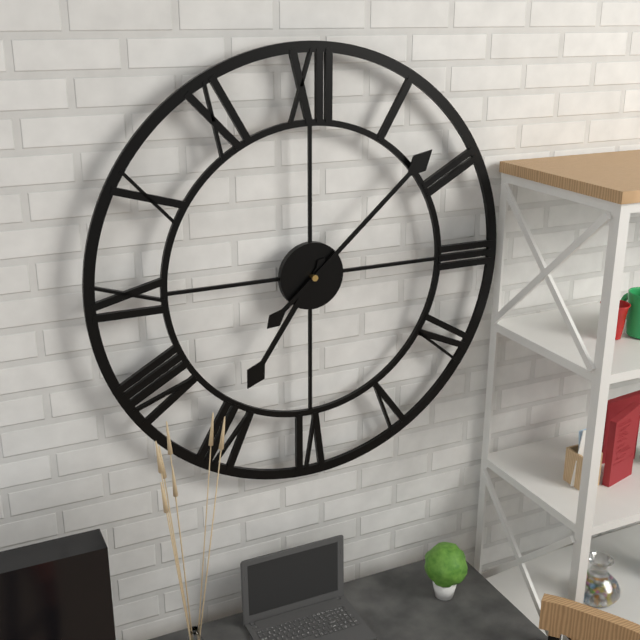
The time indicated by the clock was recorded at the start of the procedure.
7:08
